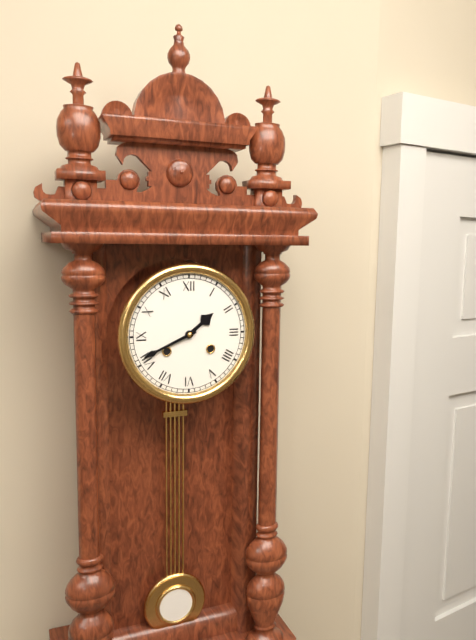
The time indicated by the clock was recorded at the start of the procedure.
1:41
